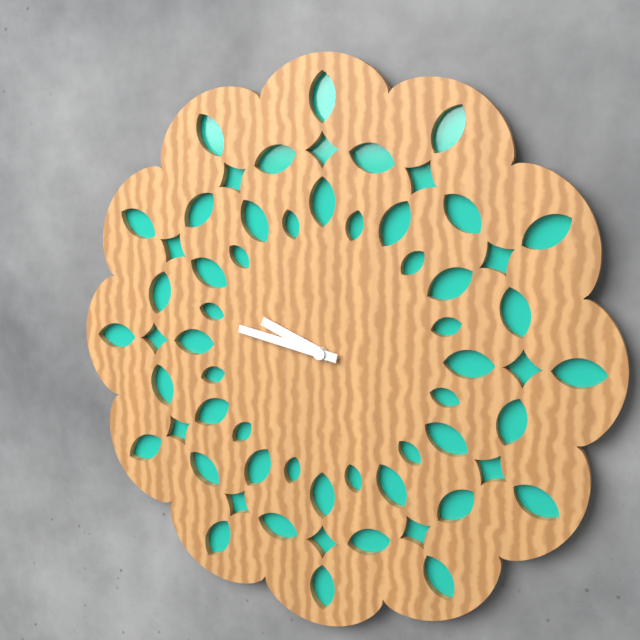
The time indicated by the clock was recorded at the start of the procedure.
9:47
